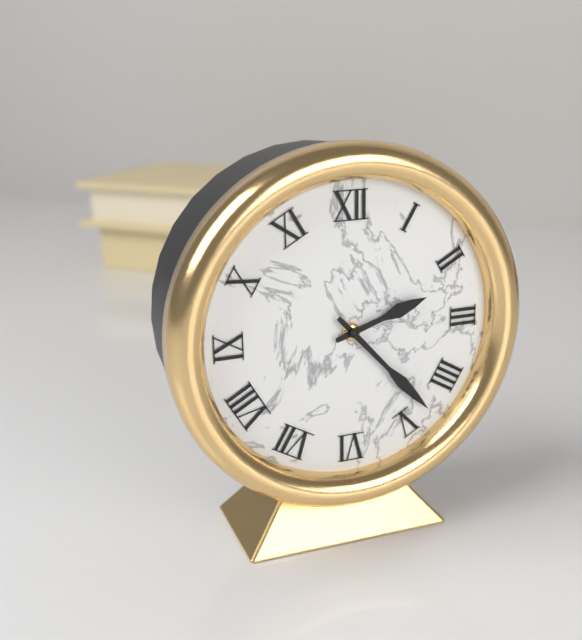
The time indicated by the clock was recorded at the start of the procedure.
2:23
